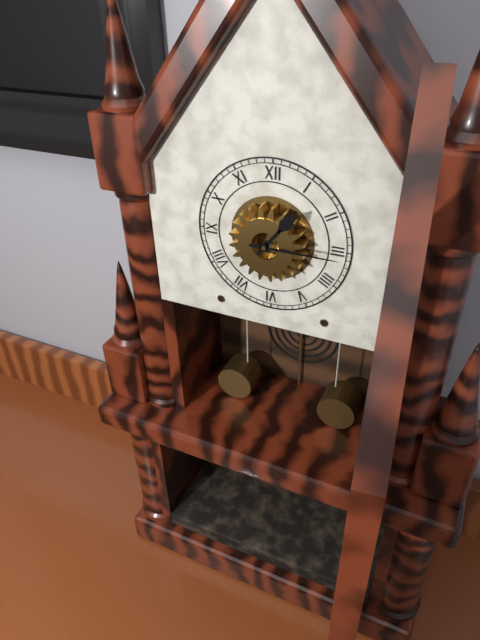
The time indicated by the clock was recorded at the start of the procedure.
1:15
